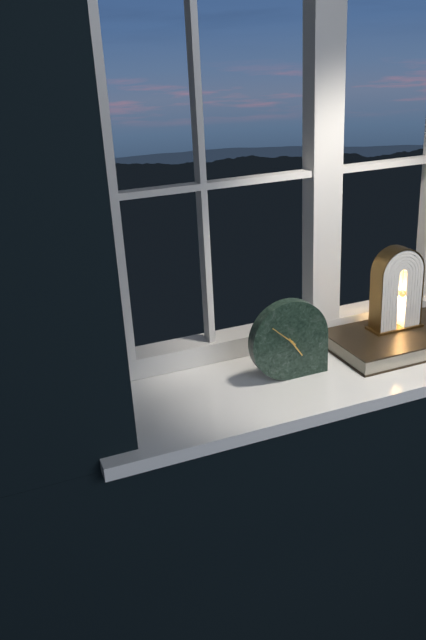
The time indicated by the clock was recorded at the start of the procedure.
4:52
